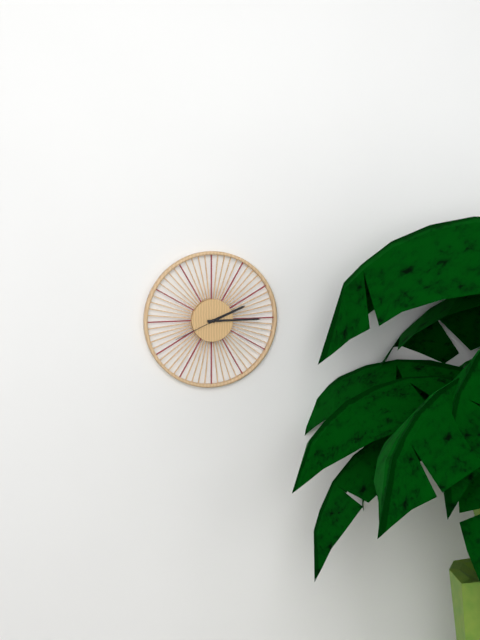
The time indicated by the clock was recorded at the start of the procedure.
2:15:41
